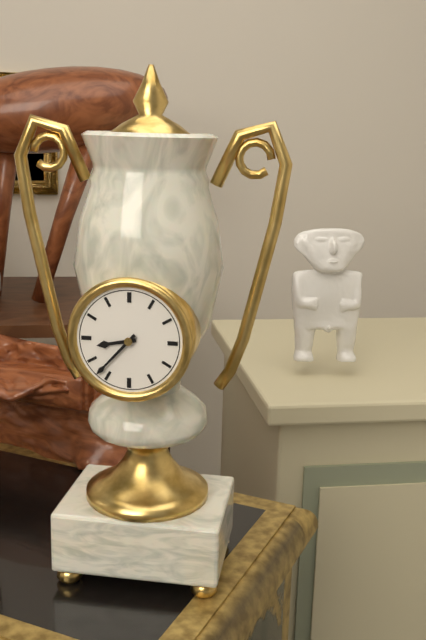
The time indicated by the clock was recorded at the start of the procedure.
8:37
